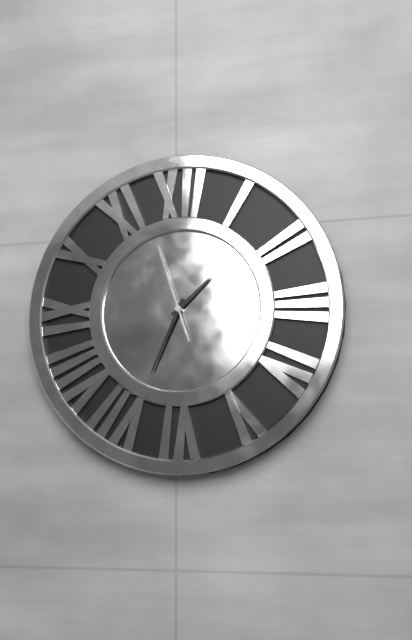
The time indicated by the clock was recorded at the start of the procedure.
1:34:57
